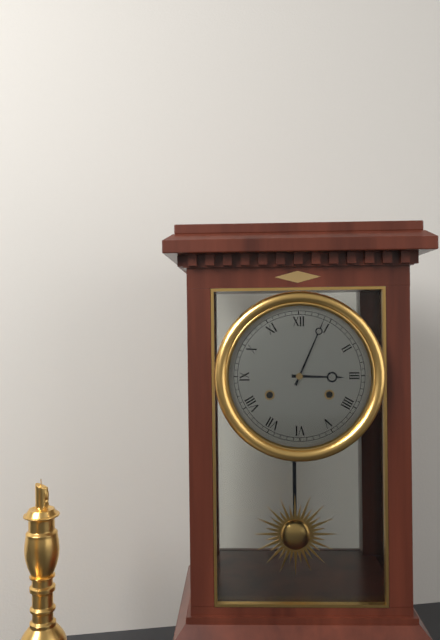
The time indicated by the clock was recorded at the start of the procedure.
3:04
